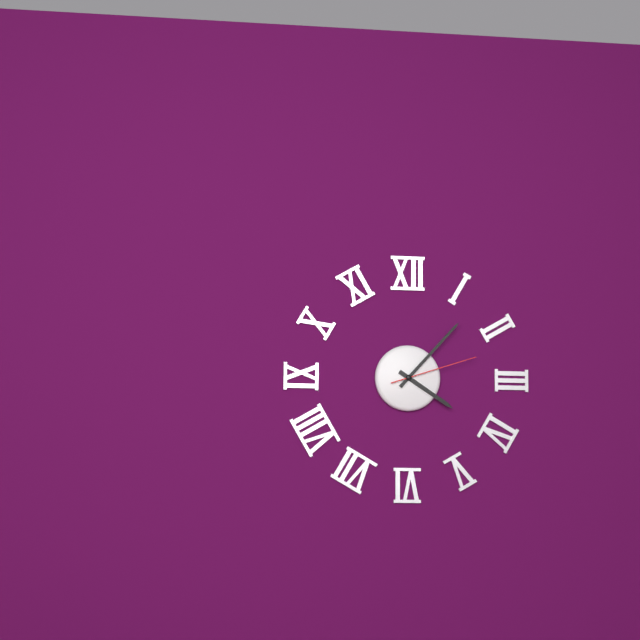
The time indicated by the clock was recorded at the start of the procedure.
4:07:12
